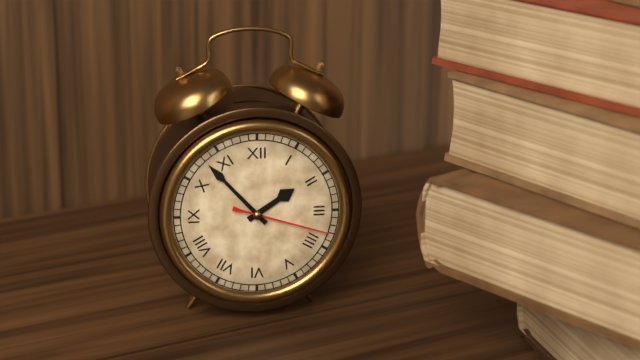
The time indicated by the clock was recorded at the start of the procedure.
1:53:18
